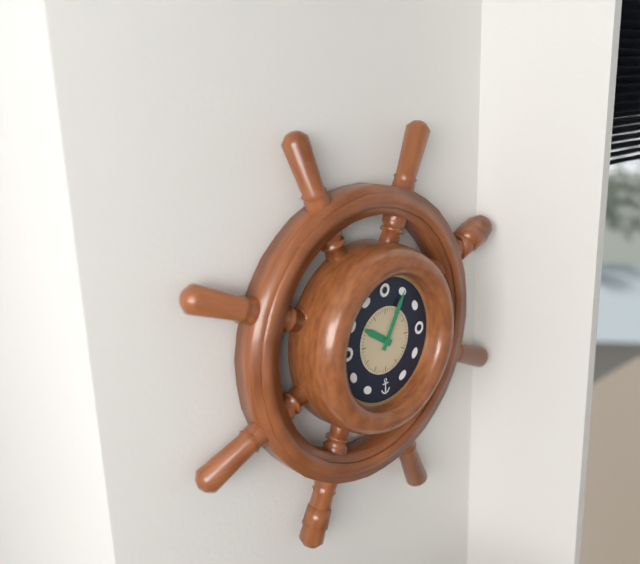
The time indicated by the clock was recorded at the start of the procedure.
10:05
